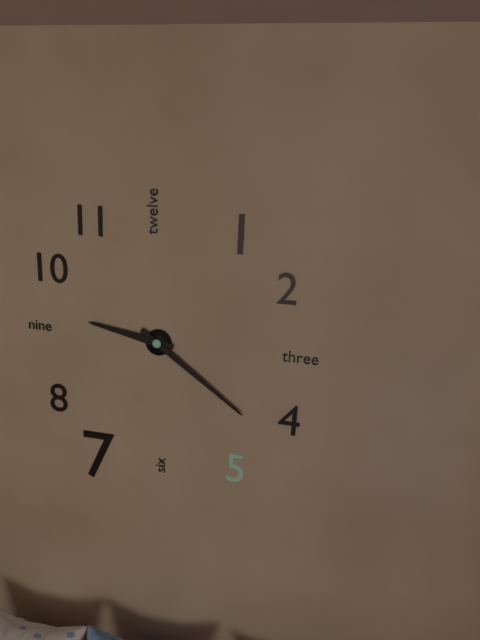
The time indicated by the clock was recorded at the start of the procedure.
9:21
